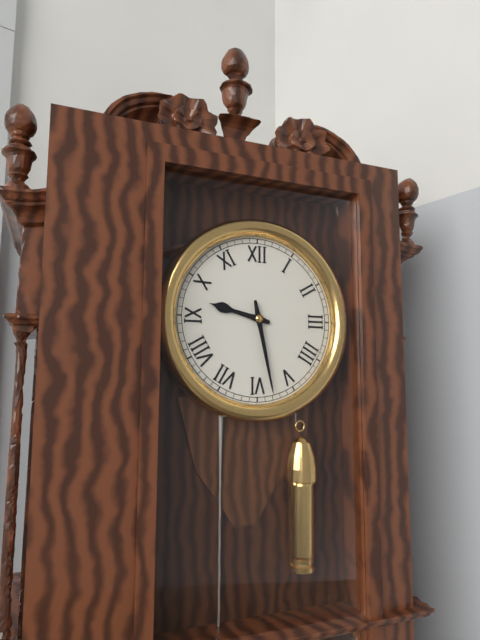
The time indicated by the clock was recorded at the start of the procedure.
9:28
